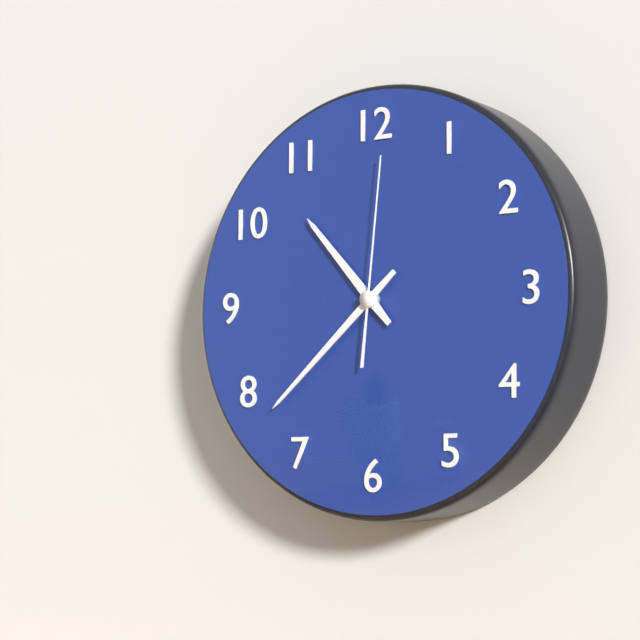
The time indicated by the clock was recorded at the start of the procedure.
10:38:01
